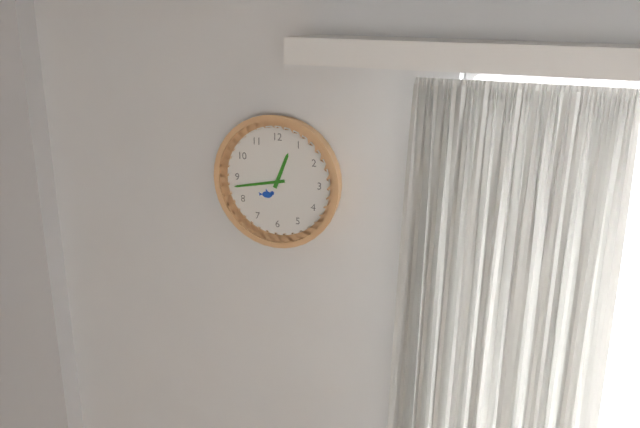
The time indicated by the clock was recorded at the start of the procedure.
12:43
